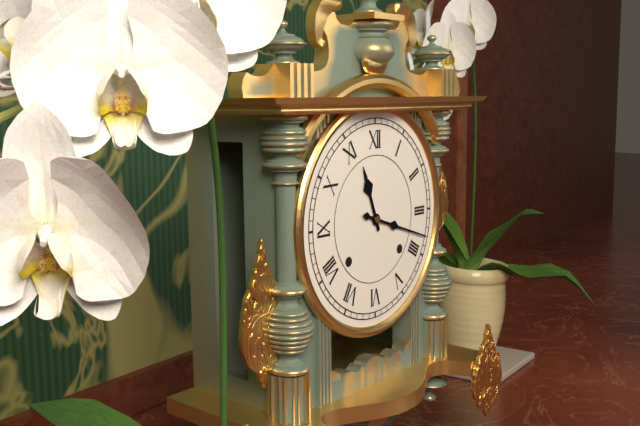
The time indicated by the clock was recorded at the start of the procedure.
11:18
